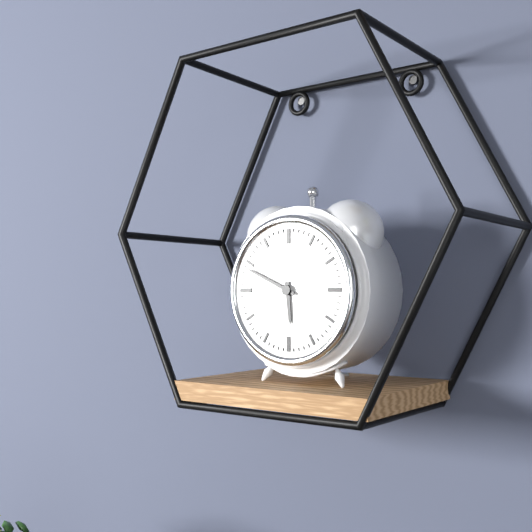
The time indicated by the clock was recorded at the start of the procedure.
5:49
